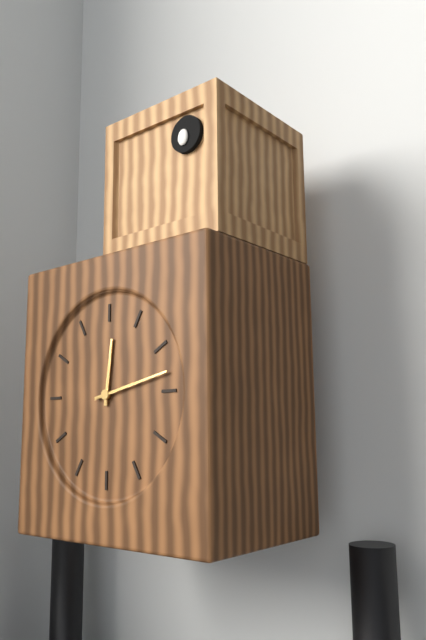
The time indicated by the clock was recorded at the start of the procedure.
12:13
